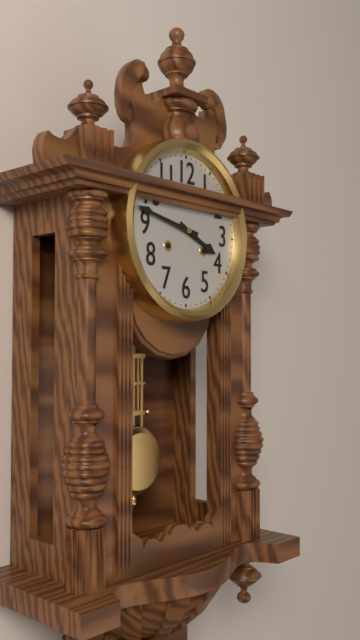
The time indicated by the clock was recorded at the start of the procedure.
3:47
